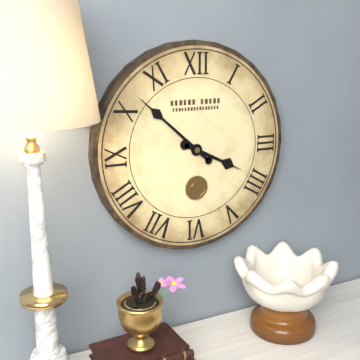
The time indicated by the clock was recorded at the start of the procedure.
3:52
